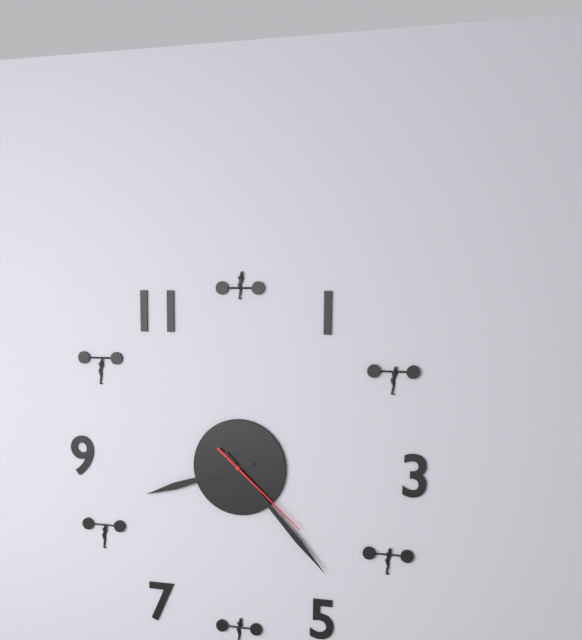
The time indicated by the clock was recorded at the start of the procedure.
8:23:22
